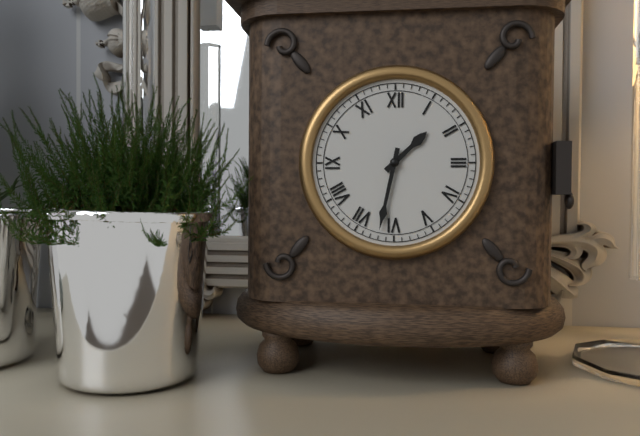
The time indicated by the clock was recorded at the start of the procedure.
1:32
